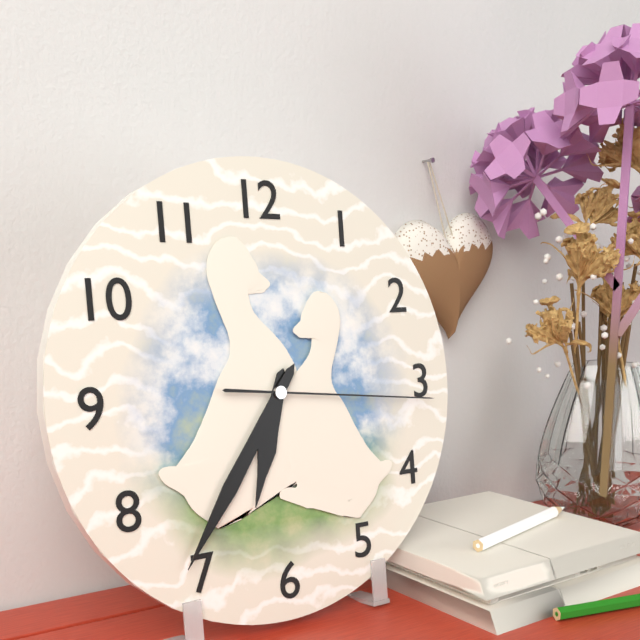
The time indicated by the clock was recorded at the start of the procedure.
6:36:16
